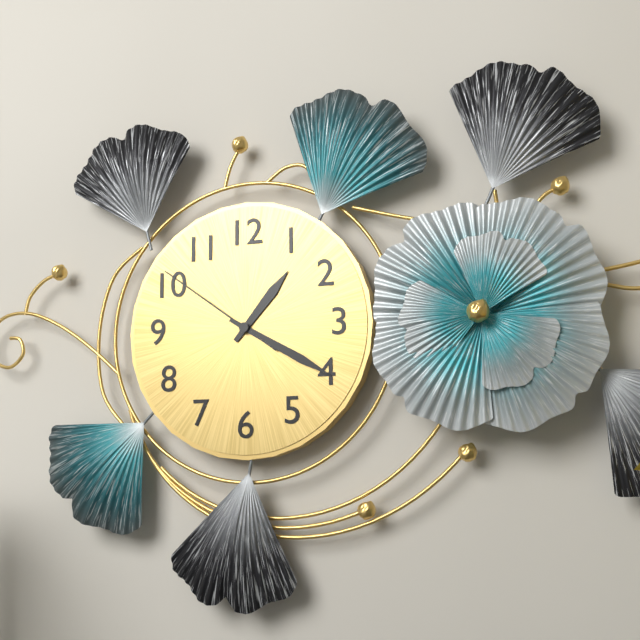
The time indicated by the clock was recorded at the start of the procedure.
1:20:51
